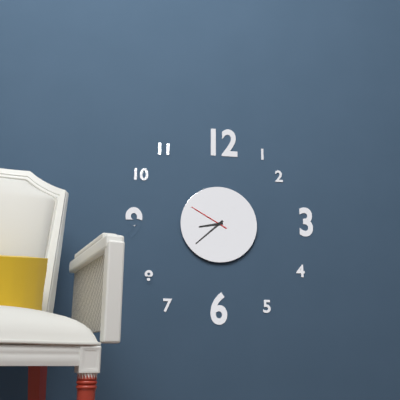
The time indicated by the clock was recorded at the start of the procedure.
8:38
